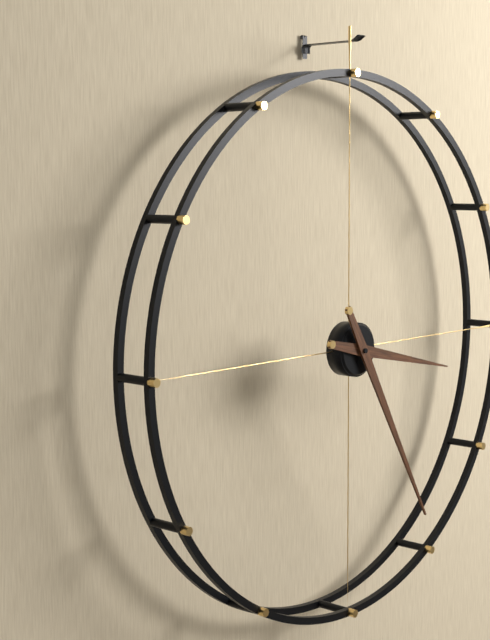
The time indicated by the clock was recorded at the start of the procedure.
3:25
